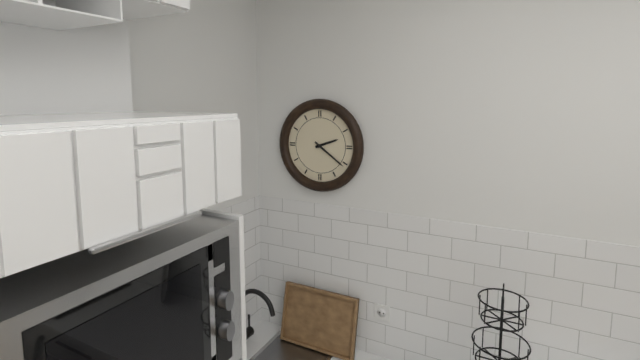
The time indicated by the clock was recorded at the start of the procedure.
2:21
